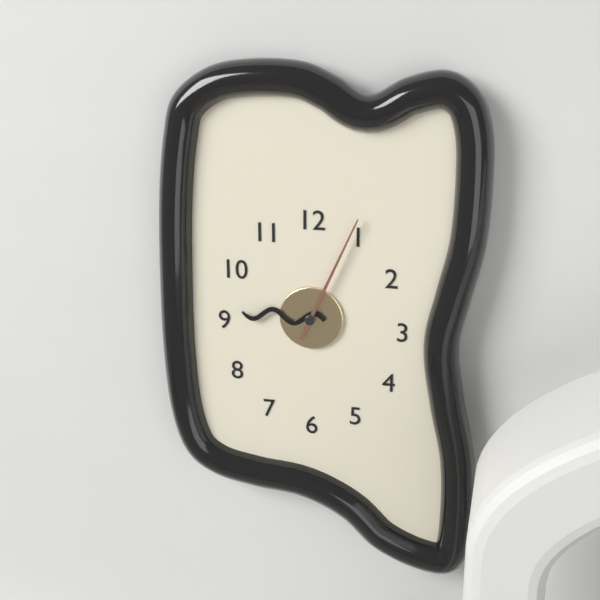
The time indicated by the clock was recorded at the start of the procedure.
9:04
